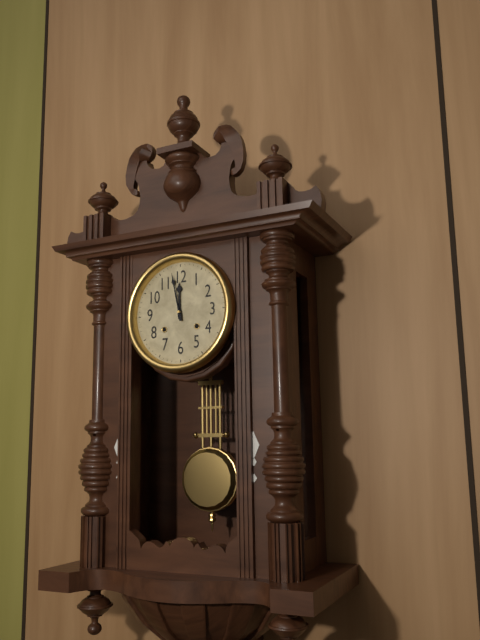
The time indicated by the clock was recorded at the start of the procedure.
11:58
